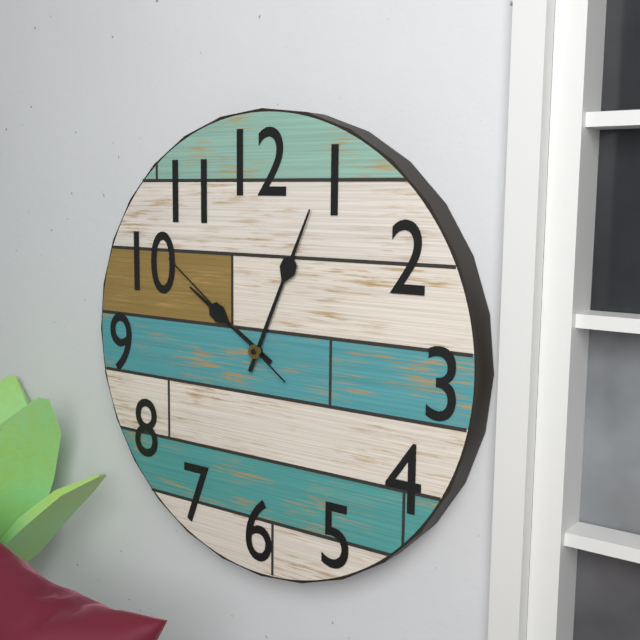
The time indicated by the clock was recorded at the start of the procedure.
10:04:51
